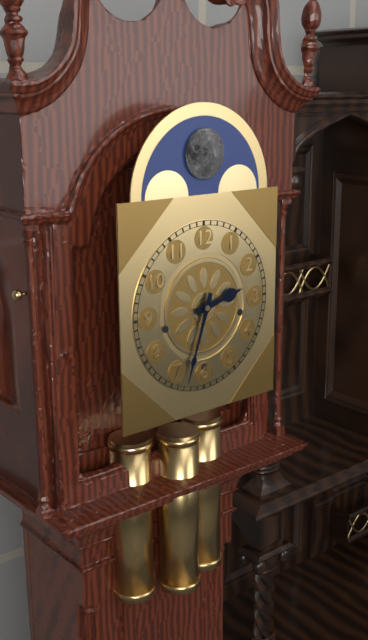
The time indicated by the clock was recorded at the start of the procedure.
2:33
